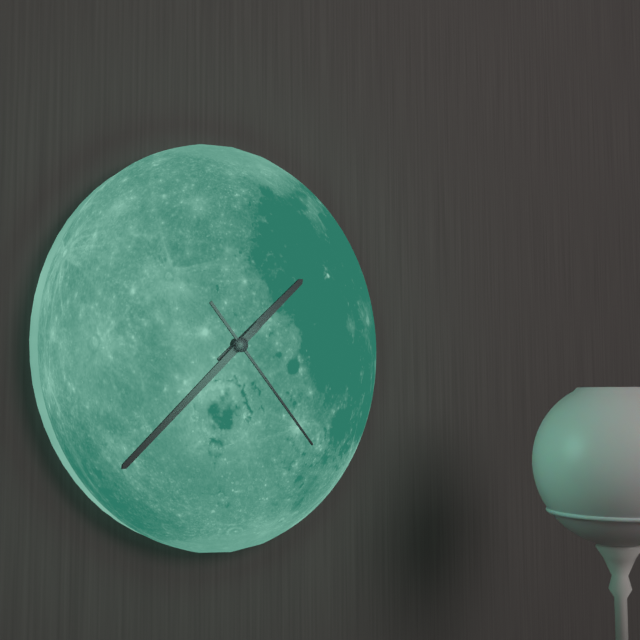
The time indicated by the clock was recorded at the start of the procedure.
1:38:23
